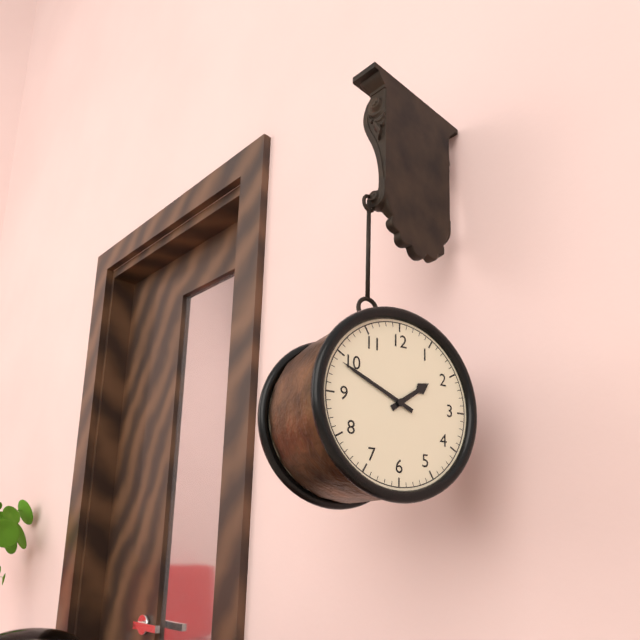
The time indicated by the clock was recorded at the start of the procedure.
1:49
